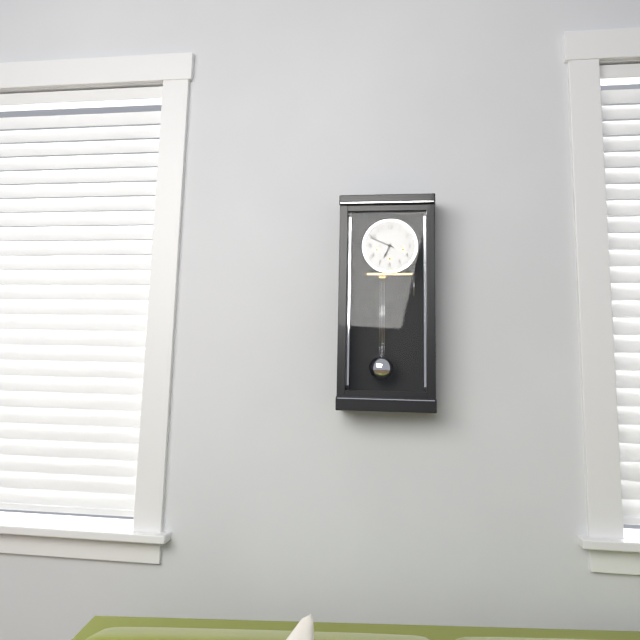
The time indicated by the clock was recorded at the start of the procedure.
6:49
